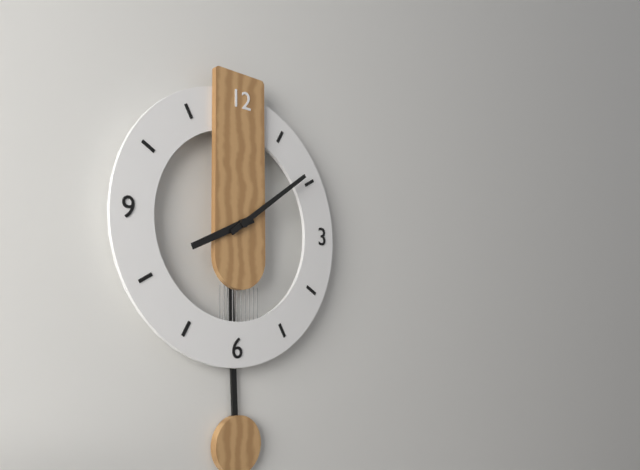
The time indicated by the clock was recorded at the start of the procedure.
8:09
